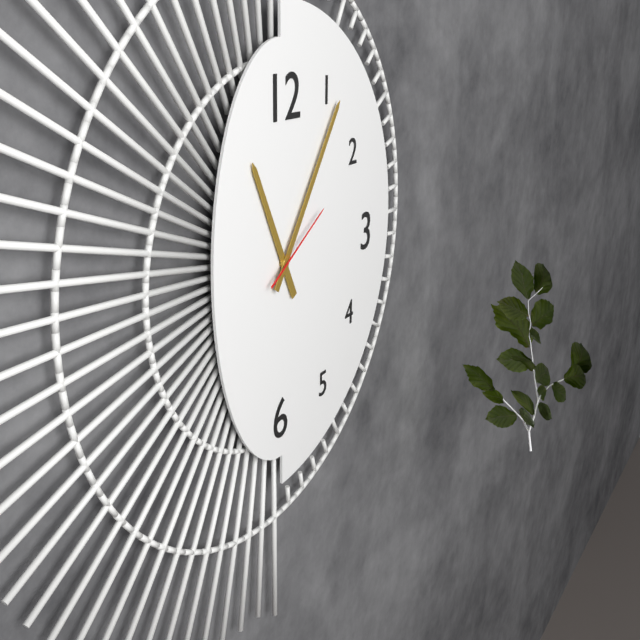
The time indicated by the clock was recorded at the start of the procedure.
11:06:10
